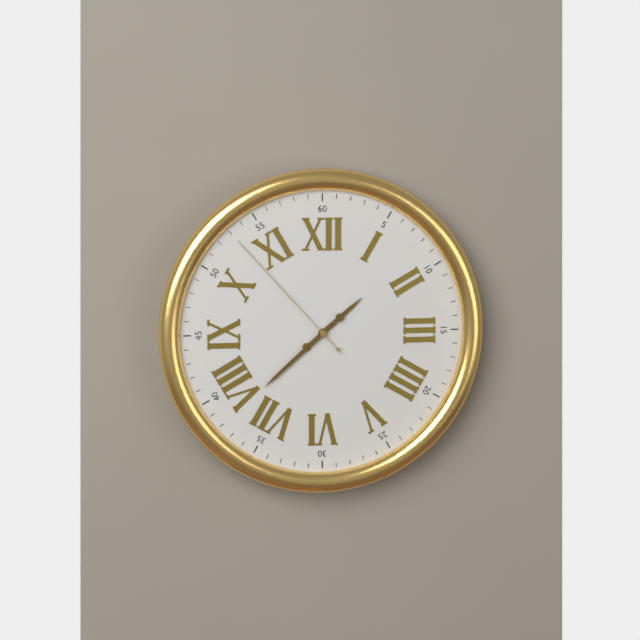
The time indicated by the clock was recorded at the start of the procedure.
1:38:53
